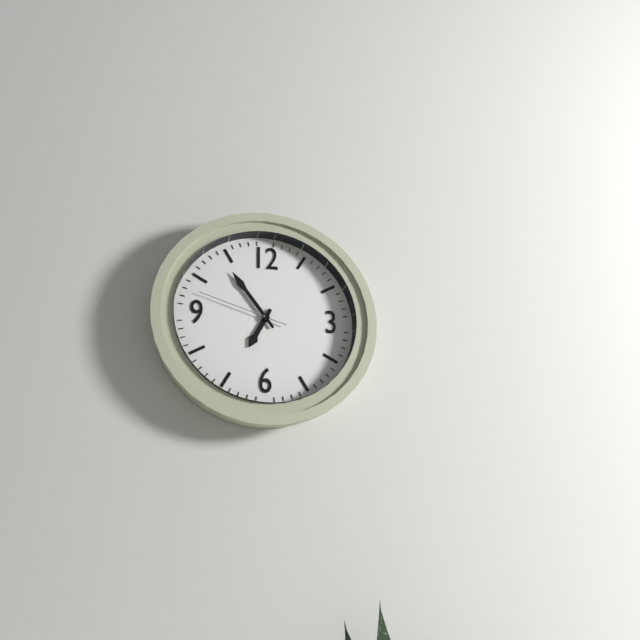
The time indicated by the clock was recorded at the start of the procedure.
6:54:48
